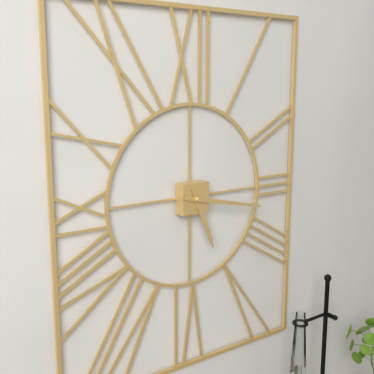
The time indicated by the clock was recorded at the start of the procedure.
5:17
